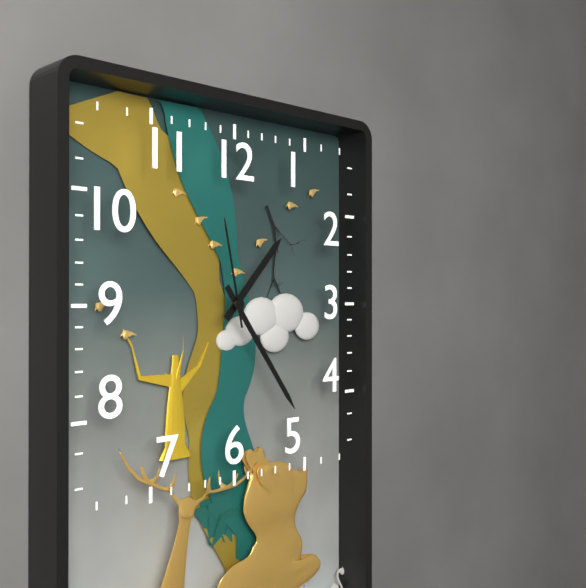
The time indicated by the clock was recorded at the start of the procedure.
1:24:58
